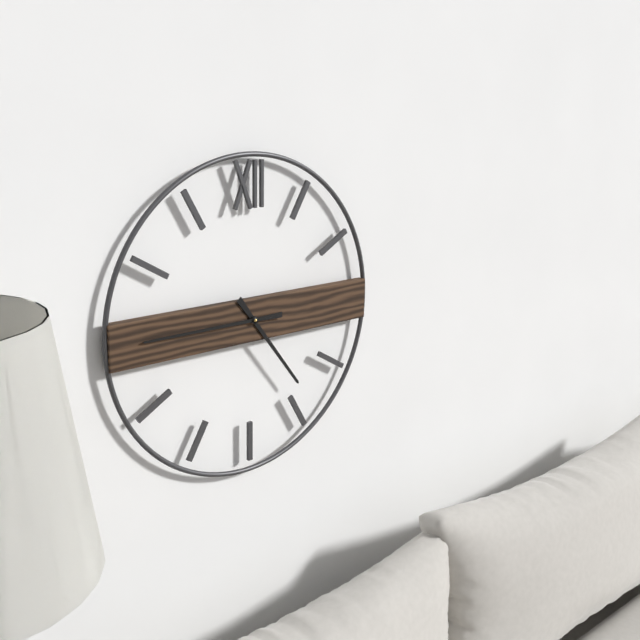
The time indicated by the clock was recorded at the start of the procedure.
4:45
